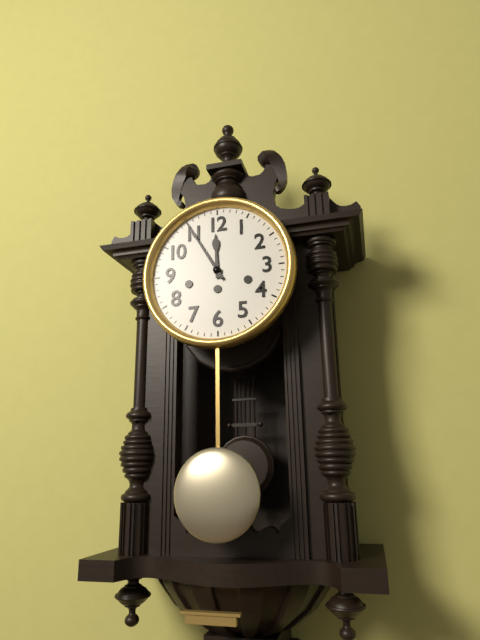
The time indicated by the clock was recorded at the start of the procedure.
11:55
